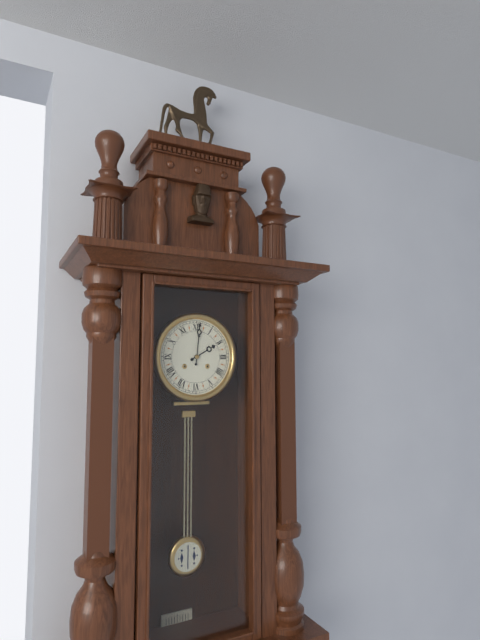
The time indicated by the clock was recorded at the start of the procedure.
2:01
